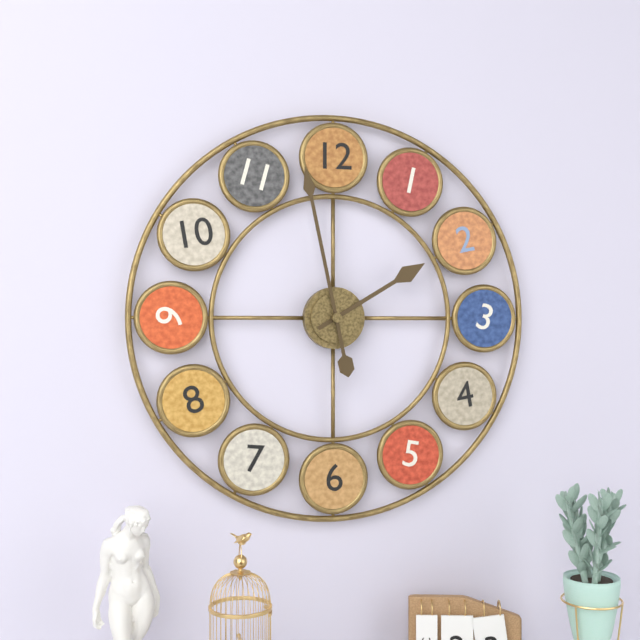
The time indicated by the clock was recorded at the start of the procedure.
1:58
